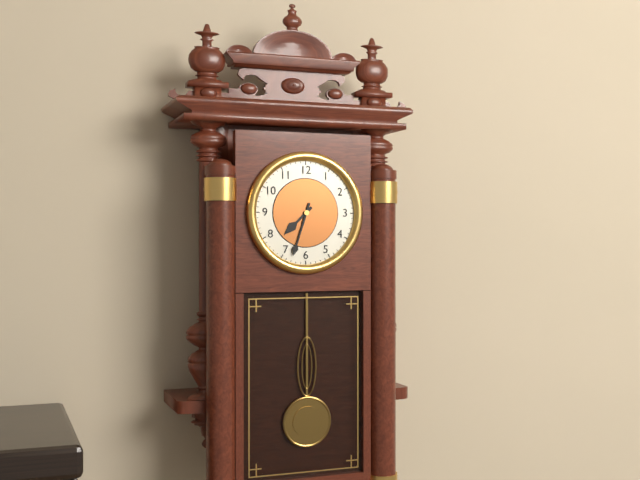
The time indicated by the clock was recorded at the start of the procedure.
7:33
